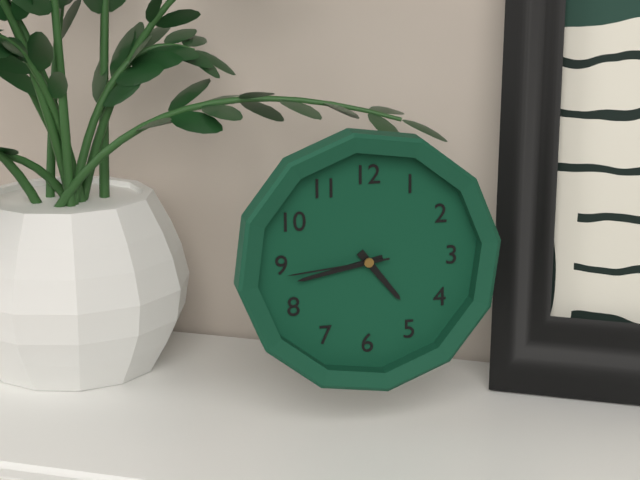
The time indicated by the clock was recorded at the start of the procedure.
4:43:44
